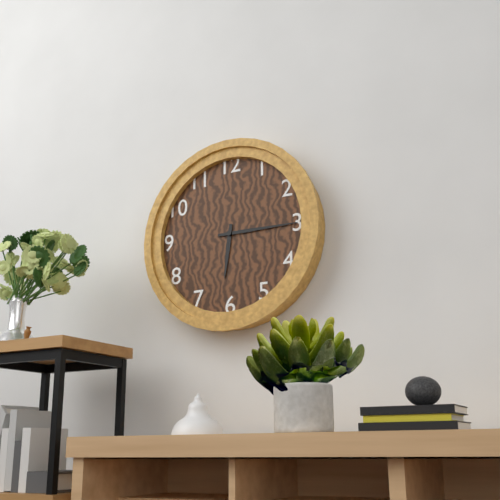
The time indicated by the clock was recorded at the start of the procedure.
6:15
